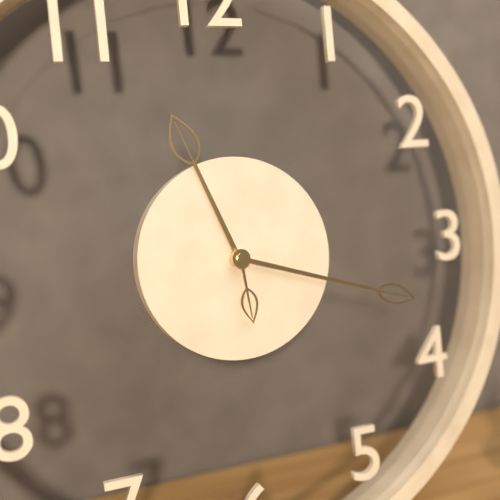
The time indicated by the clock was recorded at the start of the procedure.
11:18:29
